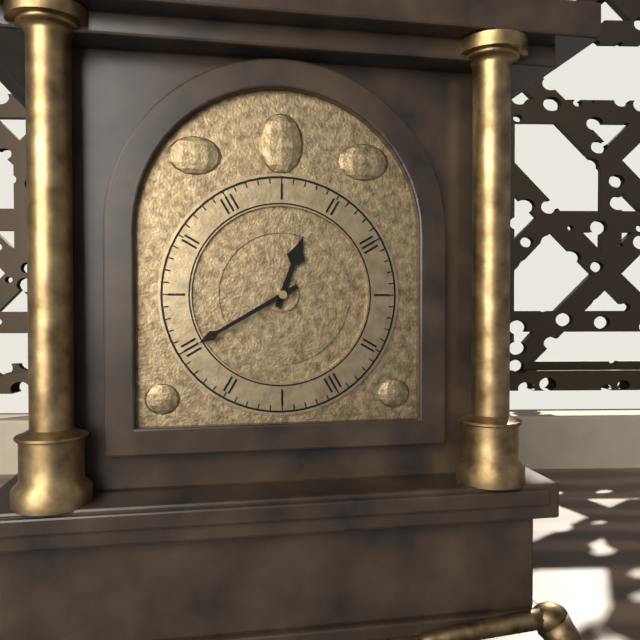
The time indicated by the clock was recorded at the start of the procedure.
12:40
